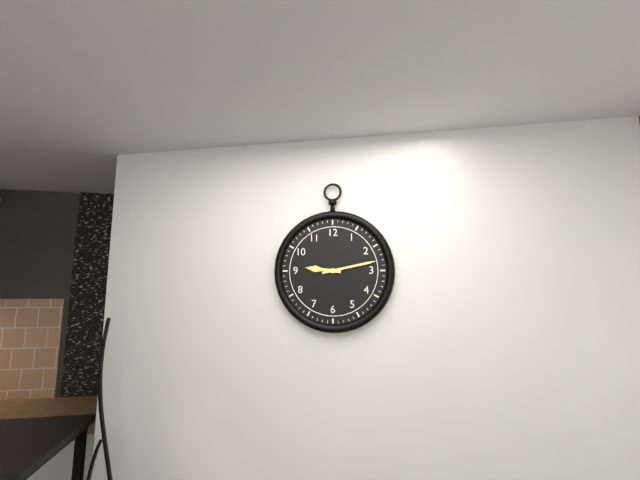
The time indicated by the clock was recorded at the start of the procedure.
9:13
